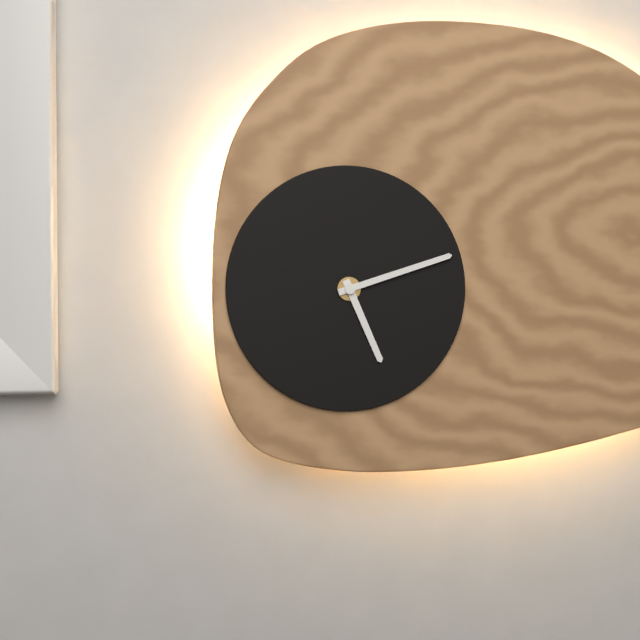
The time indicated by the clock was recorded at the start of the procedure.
5:12
